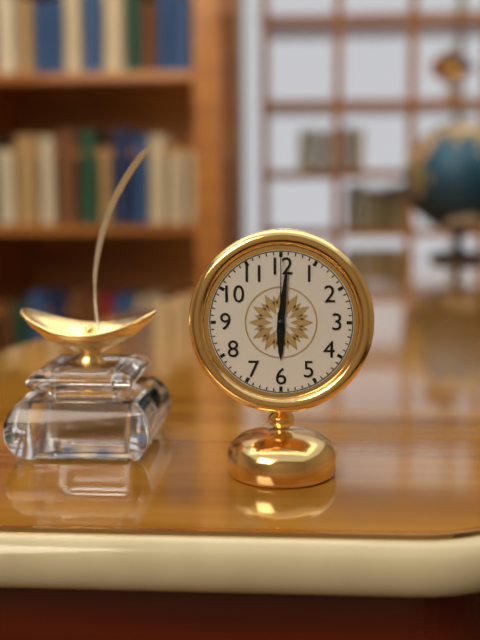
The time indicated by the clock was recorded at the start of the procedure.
6:01:00
